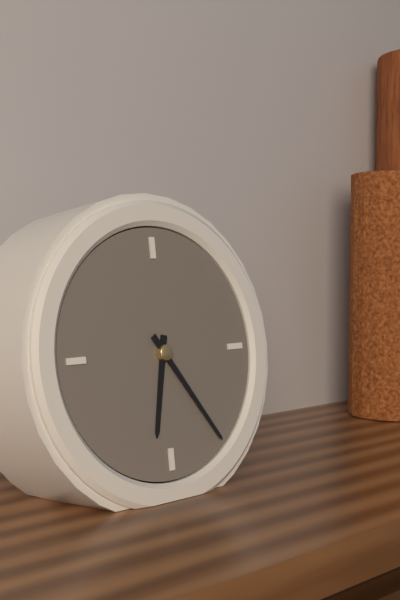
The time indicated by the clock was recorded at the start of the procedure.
6:24
